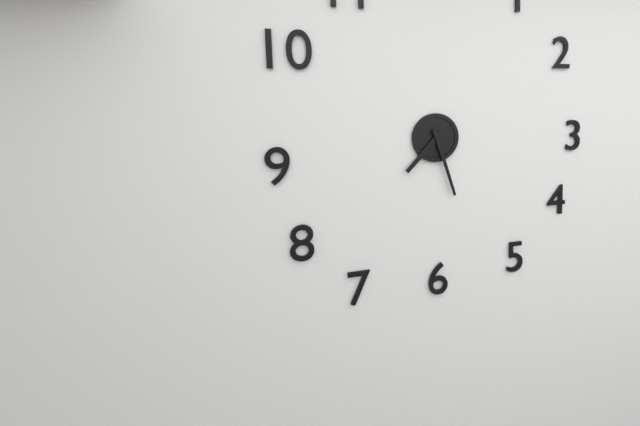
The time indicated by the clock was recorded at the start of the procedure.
7:27
